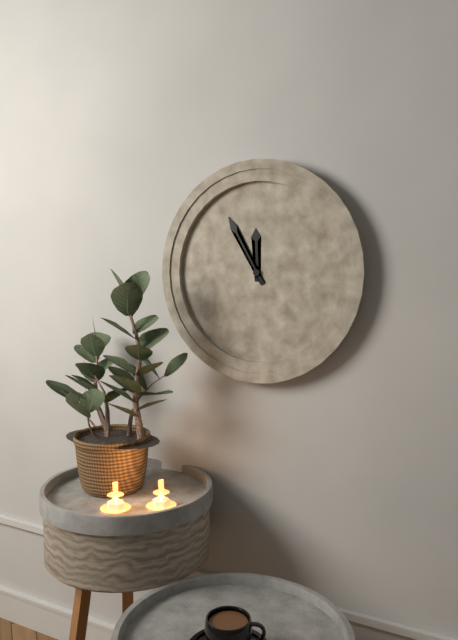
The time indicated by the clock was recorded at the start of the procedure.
11:55
